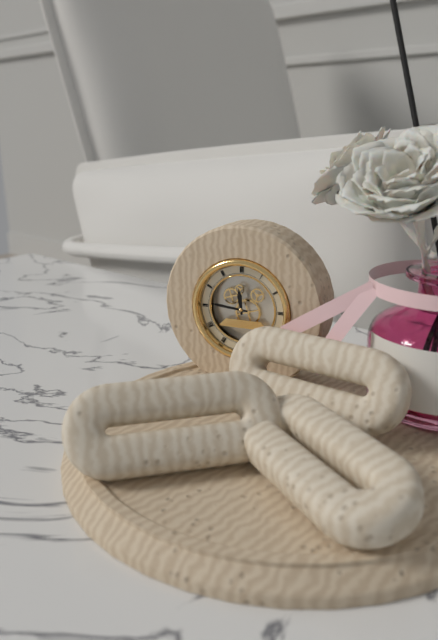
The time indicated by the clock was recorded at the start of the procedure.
11:46
